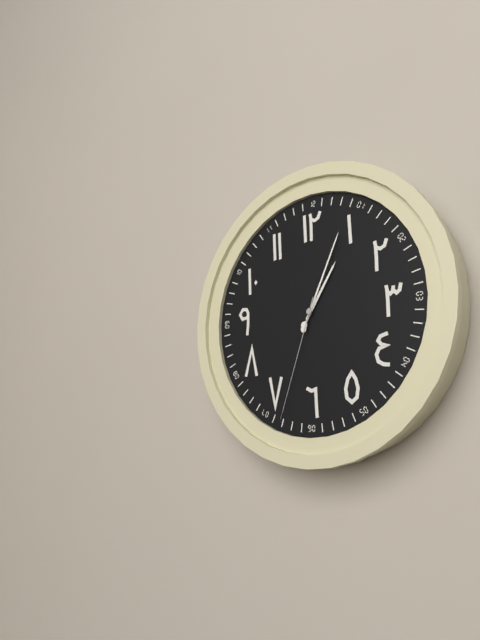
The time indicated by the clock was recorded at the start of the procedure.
1:04:33
